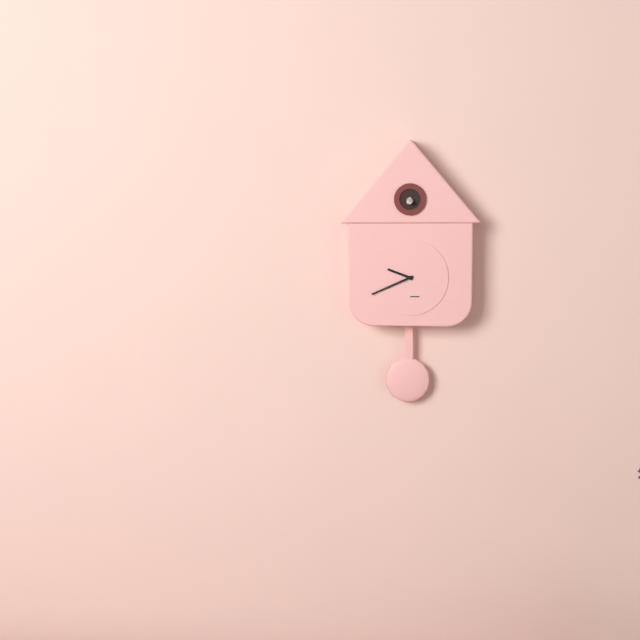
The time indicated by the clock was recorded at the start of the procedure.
9:41
